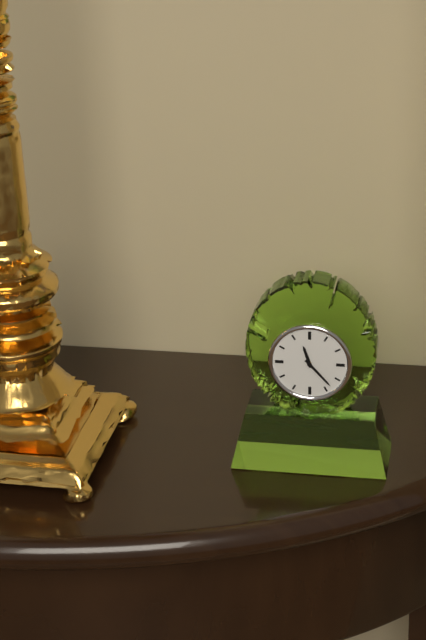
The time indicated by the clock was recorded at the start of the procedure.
11:23
